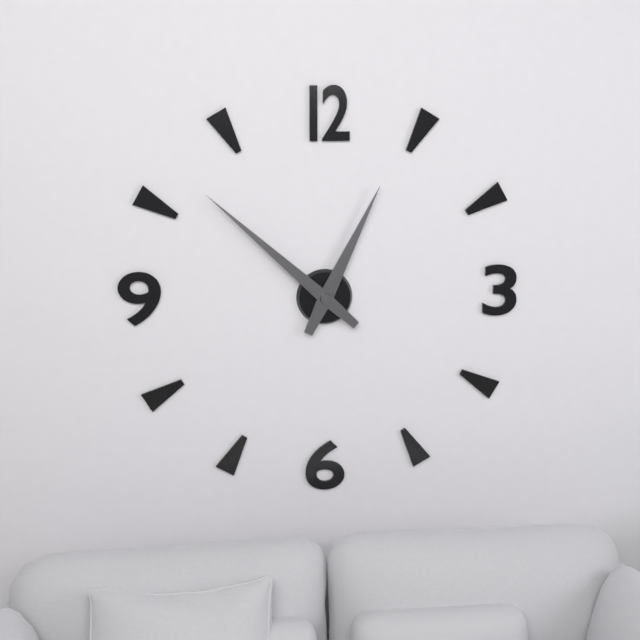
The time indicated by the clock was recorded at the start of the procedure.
12:52
